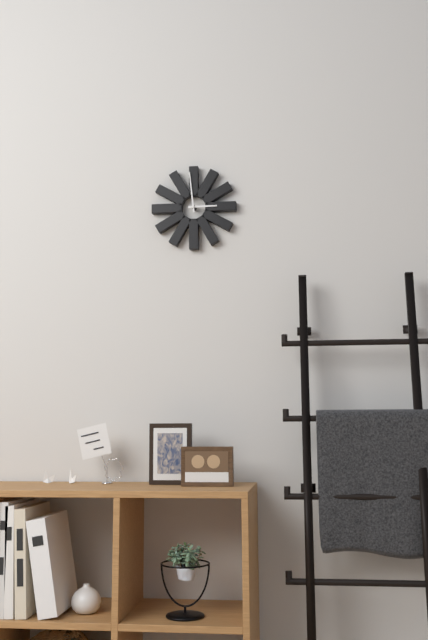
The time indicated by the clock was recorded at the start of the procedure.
2:59
